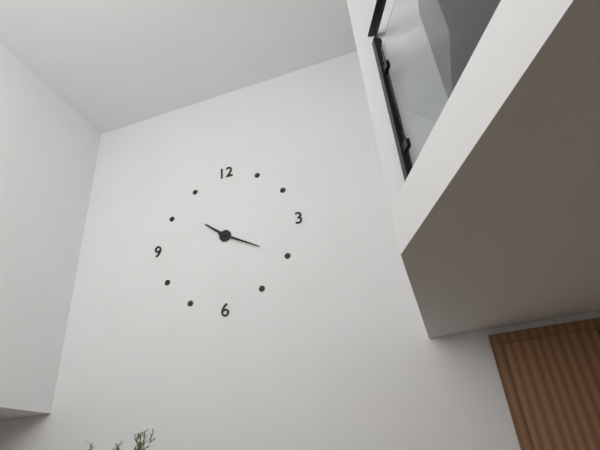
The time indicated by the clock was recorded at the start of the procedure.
10:20
